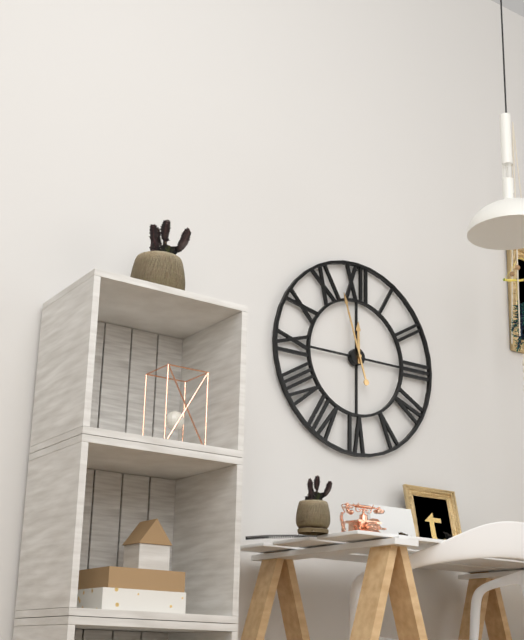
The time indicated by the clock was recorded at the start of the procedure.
11:57
